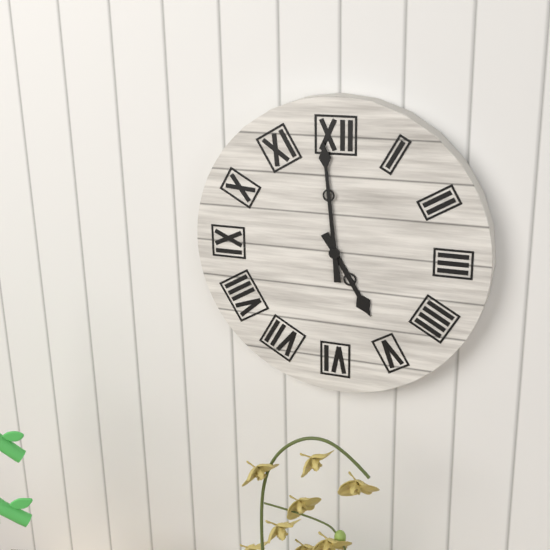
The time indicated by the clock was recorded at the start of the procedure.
4:59
